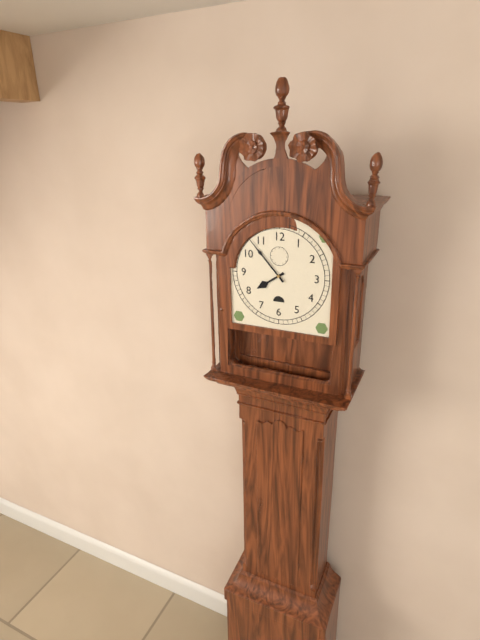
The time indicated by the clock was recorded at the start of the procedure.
7:53
